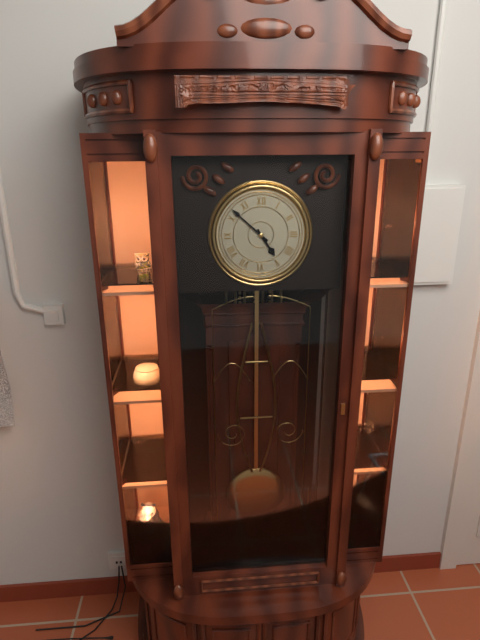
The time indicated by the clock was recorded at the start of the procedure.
4:52
